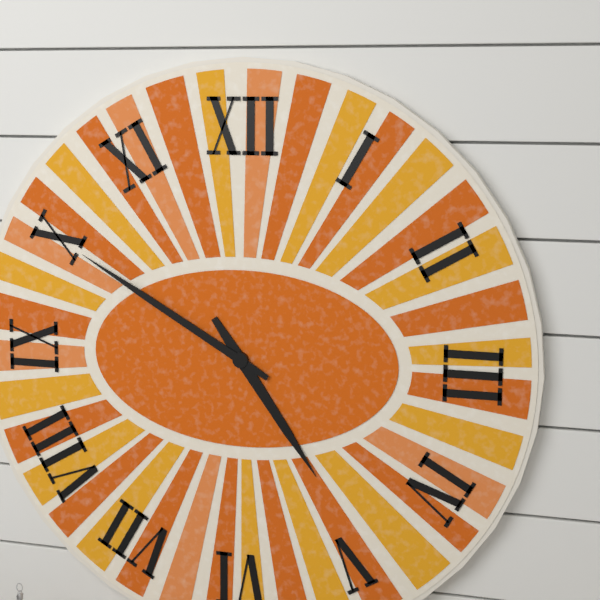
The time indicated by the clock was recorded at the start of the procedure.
4:50
